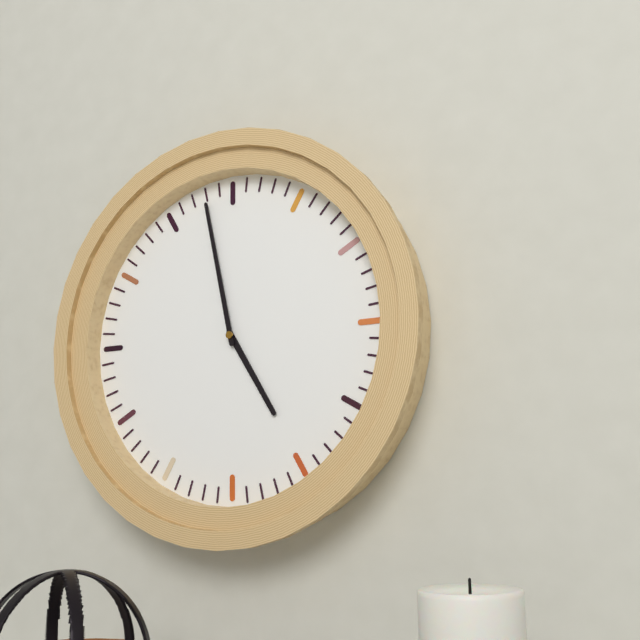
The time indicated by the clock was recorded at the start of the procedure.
4:58
